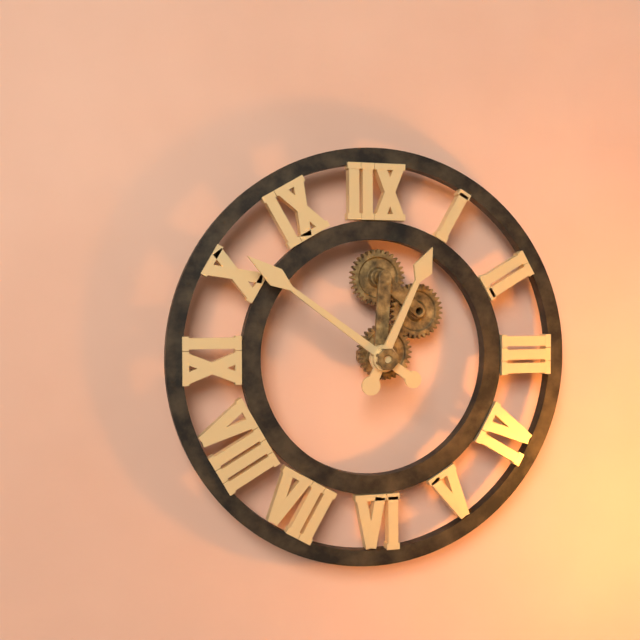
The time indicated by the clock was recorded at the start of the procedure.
12:51
